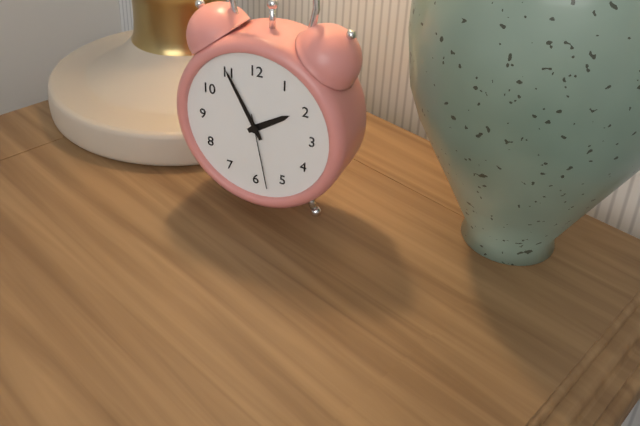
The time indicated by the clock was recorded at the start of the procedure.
1:55:28
